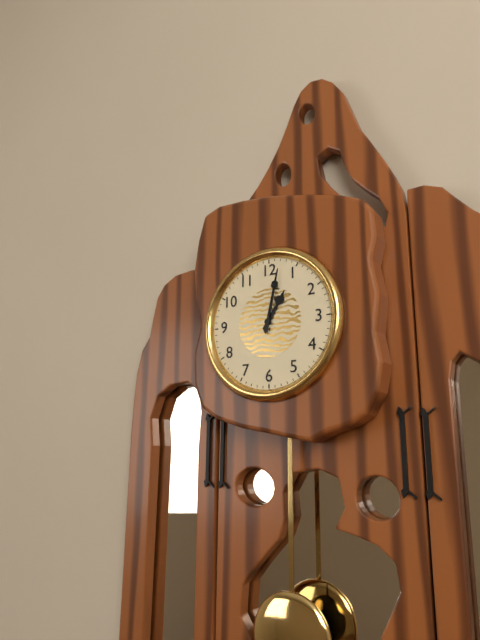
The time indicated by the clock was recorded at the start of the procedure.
1:02
